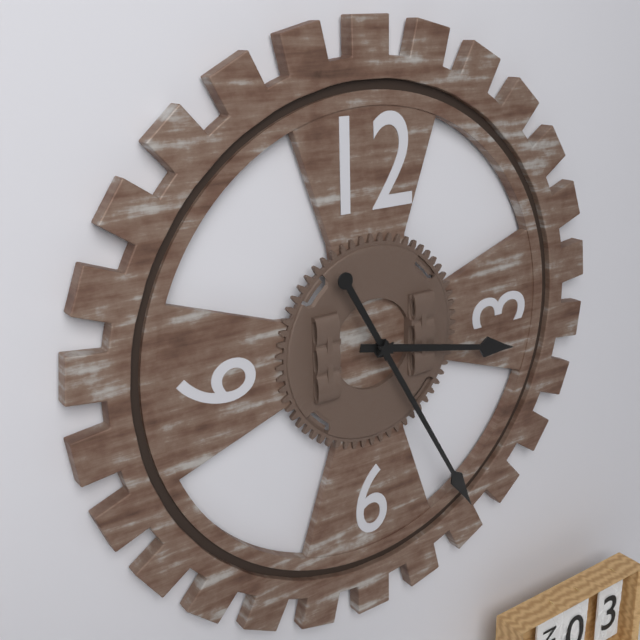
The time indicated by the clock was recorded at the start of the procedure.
3:25
